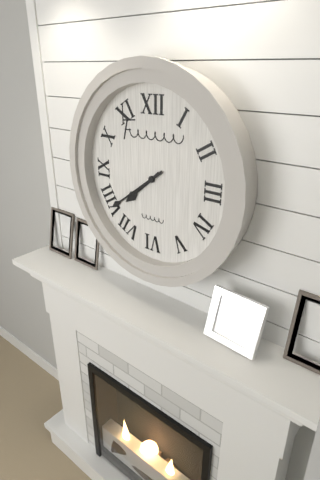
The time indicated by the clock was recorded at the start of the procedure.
7:39
